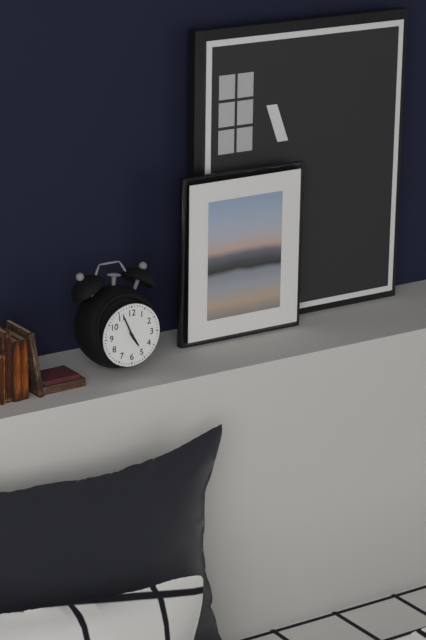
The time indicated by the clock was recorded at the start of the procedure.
4:56
